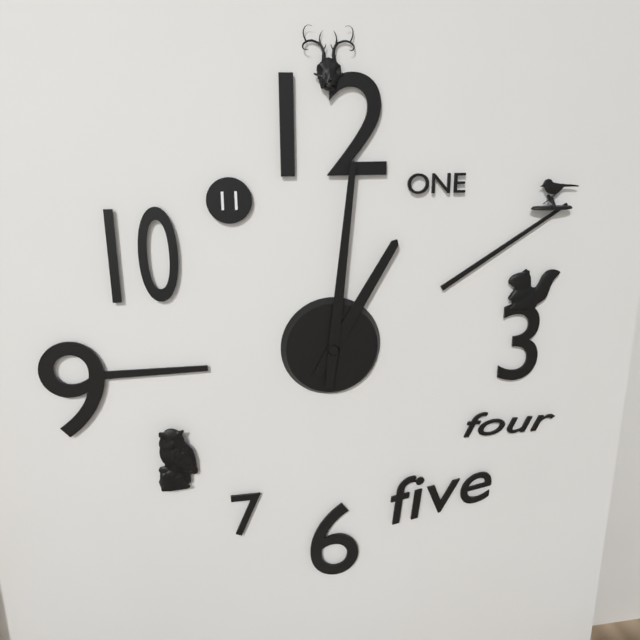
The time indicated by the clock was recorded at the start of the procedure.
1:01
